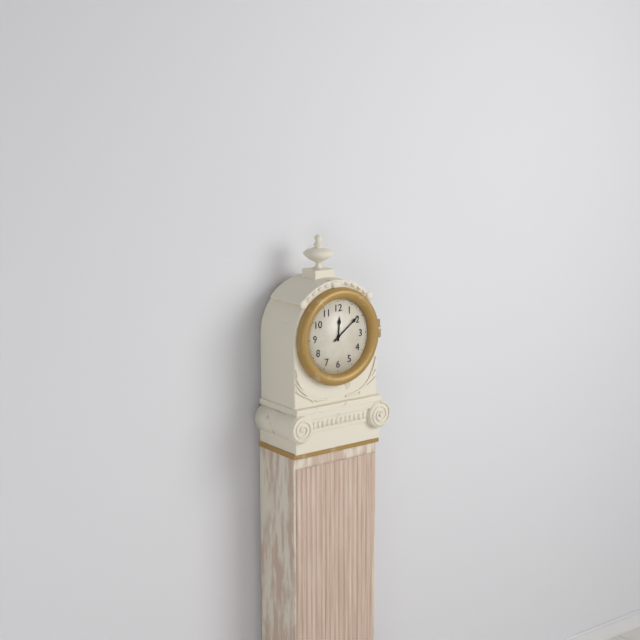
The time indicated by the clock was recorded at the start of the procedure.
12:09
